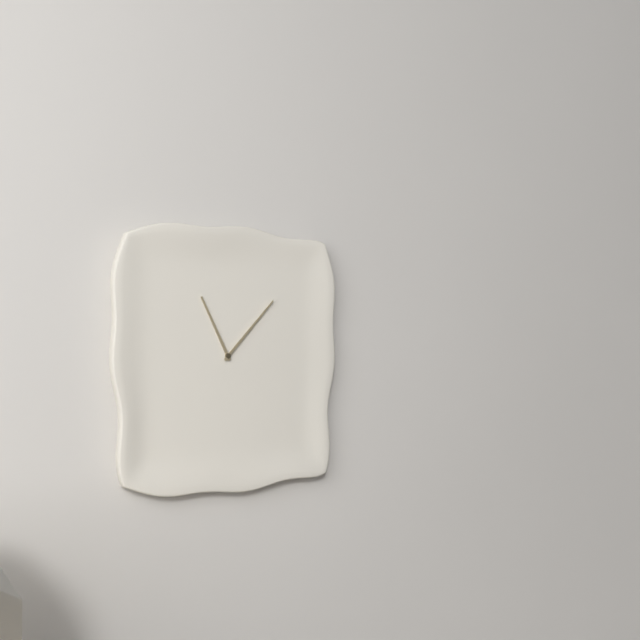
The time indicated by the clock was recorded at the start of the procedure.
11:07
